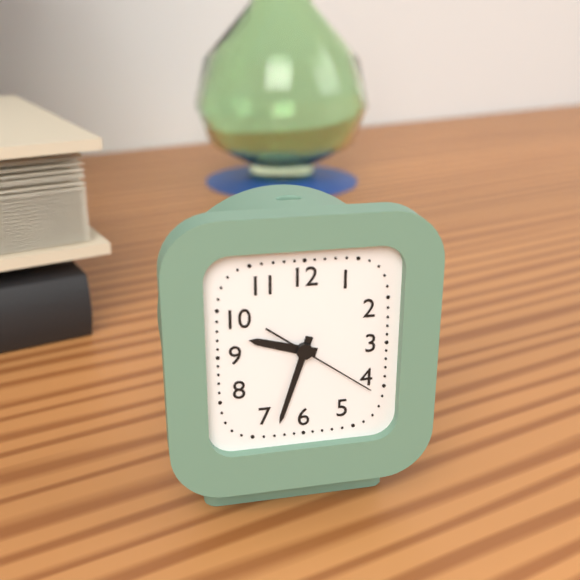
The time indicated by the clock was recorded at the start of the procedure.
9:33:21
